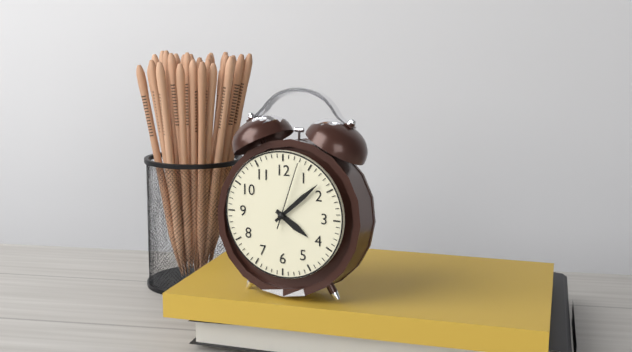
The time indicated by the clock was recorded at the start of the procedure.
4:08:03
